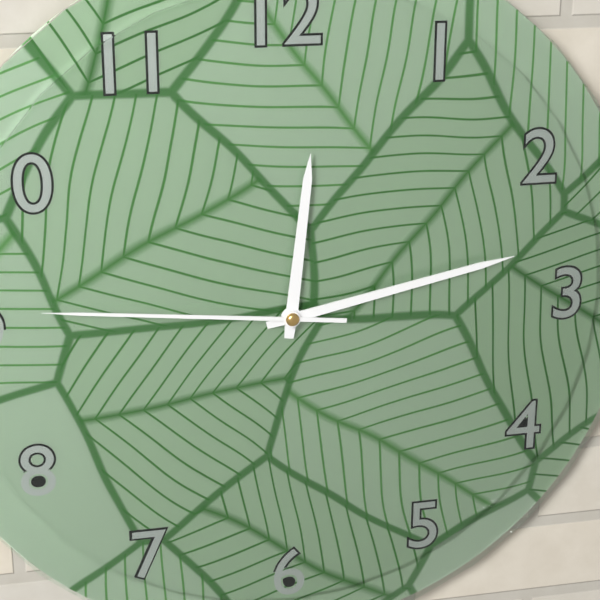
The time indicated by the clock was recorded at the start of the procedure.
12:13:46
